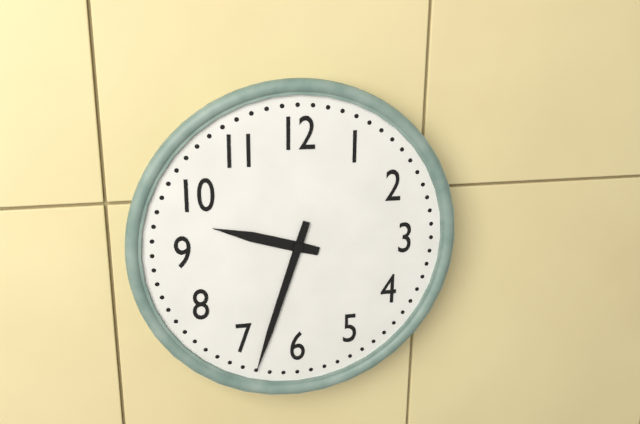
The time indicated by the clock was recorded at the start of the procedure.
9:33
